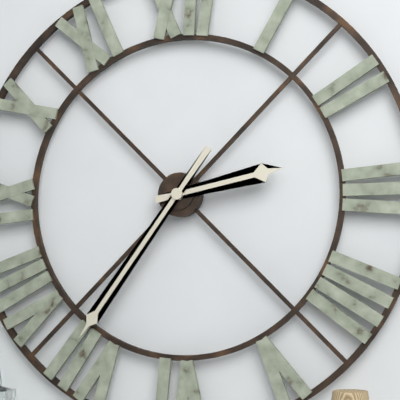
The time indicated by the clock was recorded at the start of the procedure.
2:36
